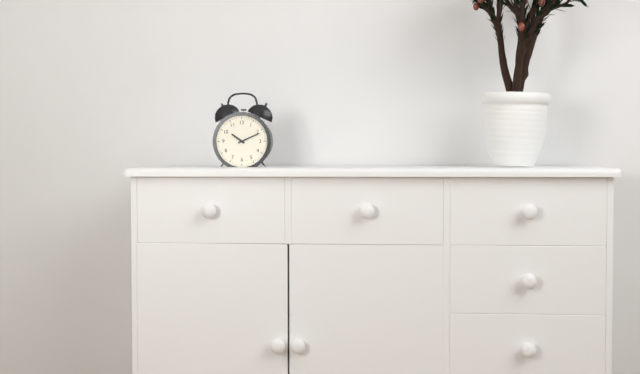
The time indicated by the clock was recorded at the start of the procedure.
10:11
